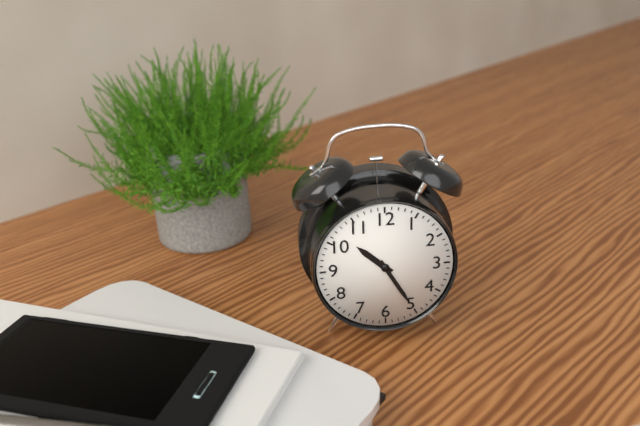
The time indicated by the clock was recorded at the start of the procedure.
10:25
